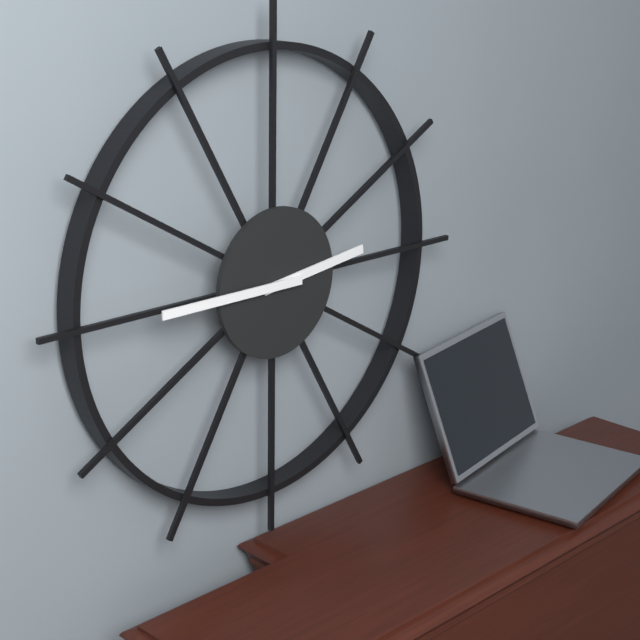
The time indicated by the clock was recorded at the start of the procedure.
2:45
